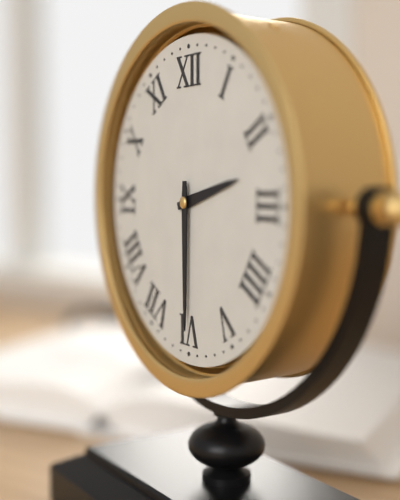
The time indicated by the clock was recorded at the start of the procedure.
2:30
